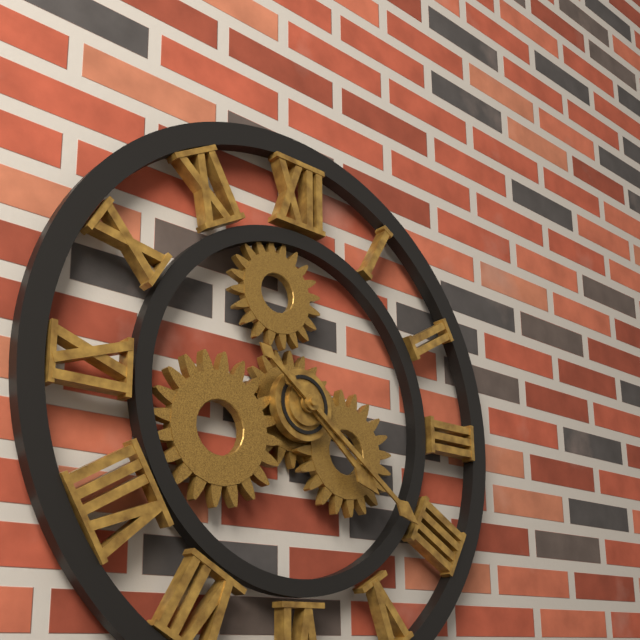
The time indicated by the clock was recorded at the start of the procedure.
4:21
